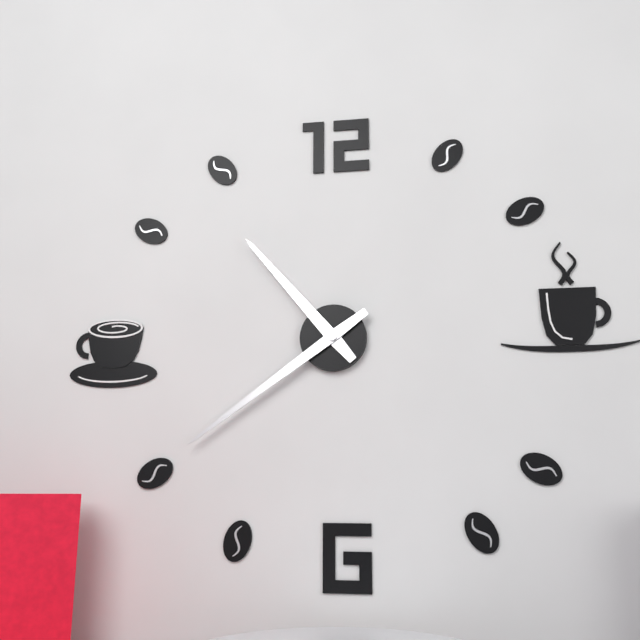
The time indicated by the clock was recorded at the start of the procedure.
10:39
